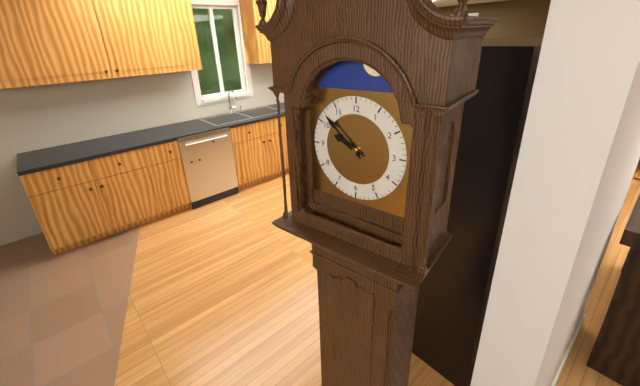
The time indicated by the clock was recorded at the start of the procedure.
9:52
